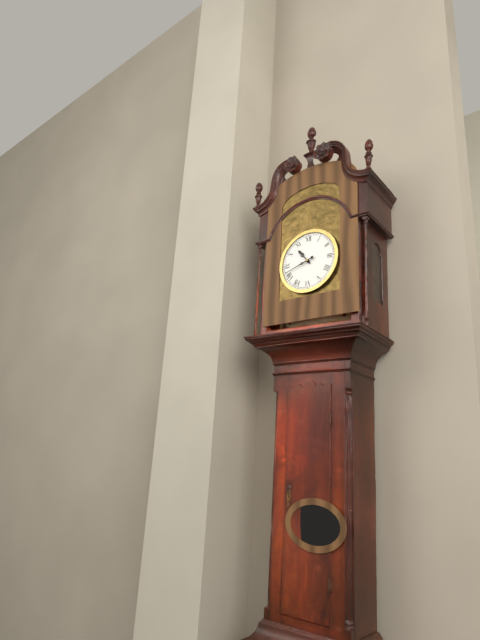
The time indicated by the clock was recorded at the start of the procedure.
10:42
